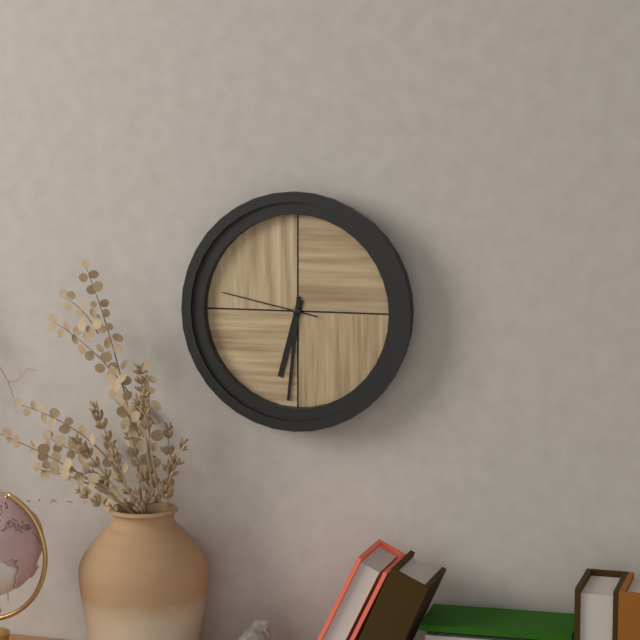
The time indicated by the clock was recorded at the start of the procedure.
6:31:47
